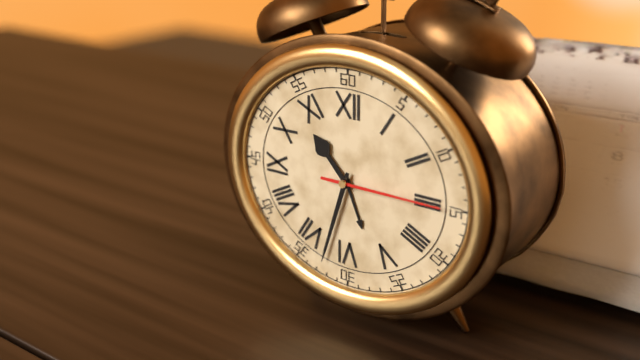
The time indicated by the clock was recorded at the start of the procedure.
10:33:15
